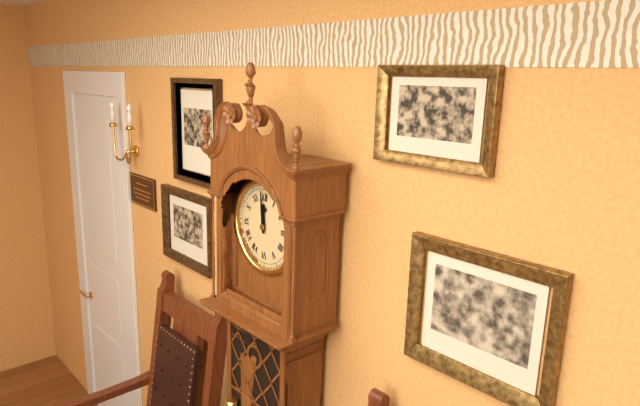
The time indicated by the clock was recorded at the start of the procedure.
11:59
